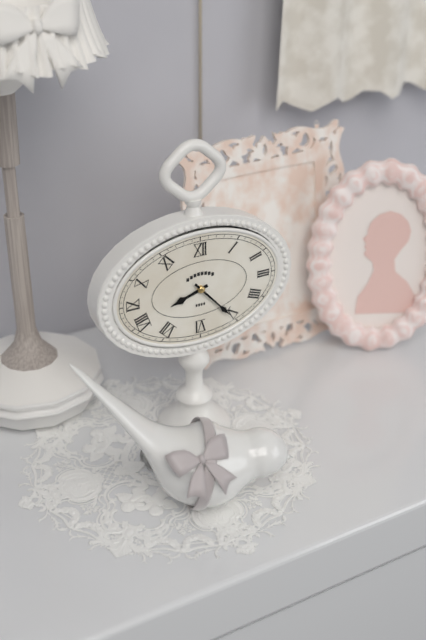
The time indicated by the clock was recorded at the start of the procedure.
8:23
